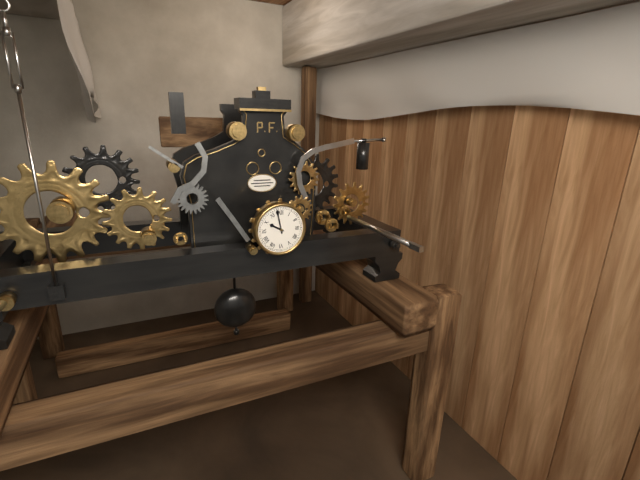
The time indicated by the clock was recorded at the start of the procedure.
9:58
